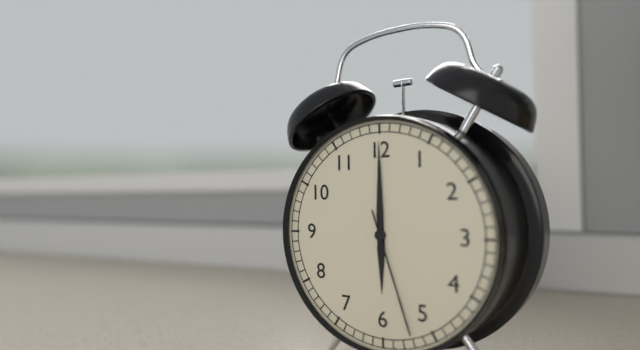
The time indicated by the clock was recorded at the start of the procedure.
6:00:27
